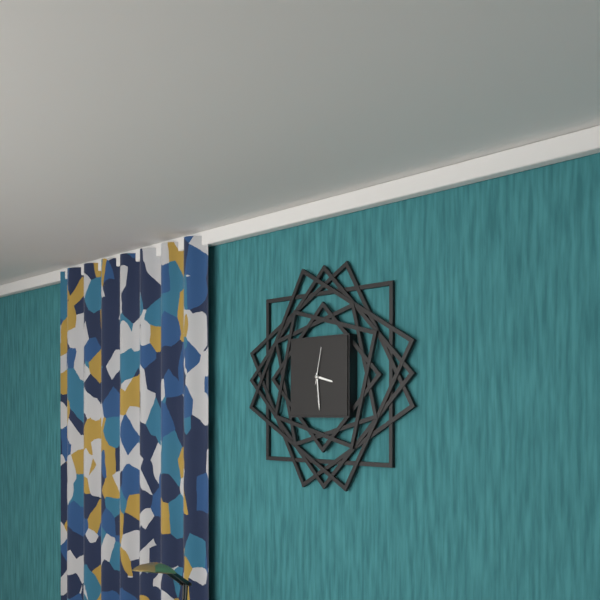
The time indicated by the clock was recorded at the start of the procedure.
3:29
